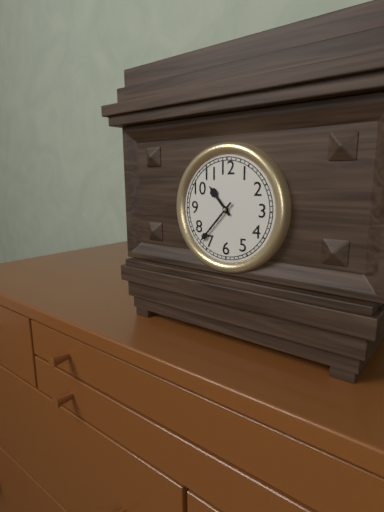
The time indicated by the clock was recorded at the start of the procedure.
10:37
